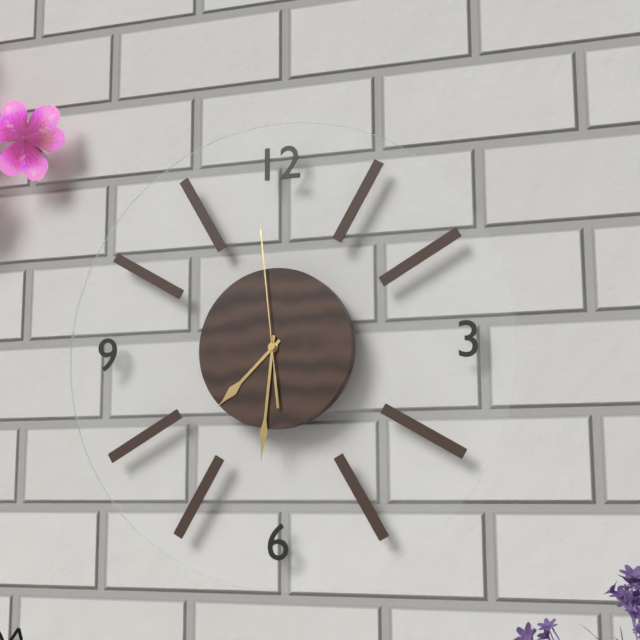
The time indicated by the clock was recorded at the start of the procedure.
7:31:59
